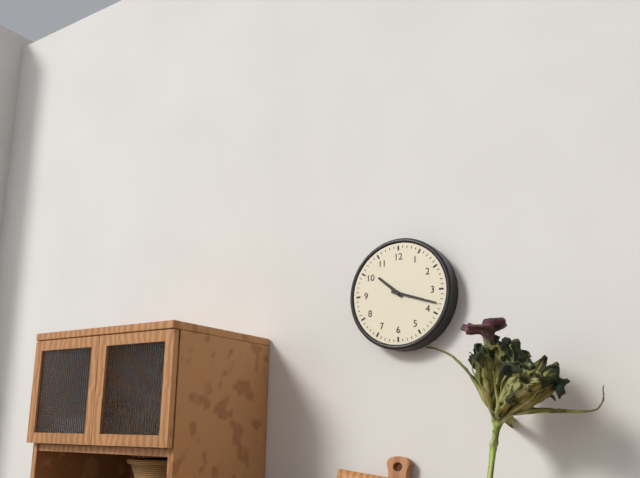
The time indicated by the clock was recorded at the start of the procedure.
10:18
